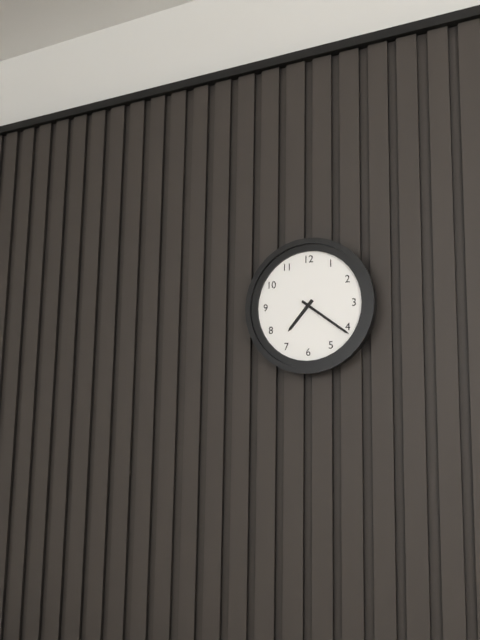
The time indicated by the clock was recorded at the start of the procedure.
7:21
